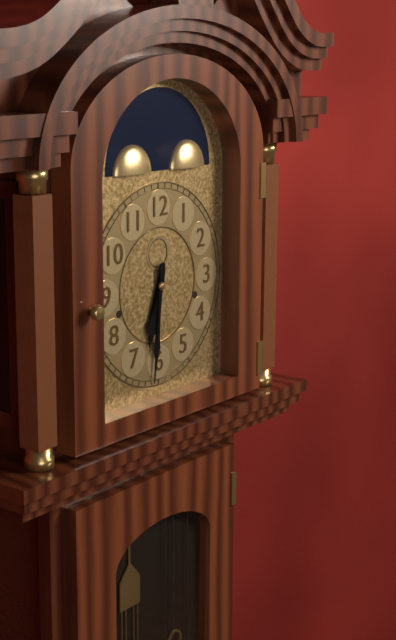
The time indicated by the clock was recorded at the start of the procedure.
6:31
